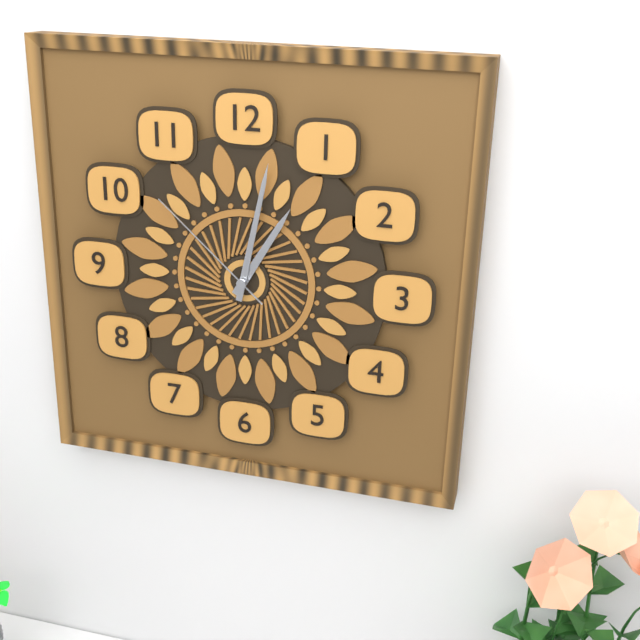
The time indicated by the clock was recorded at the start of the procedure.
1:02:52
